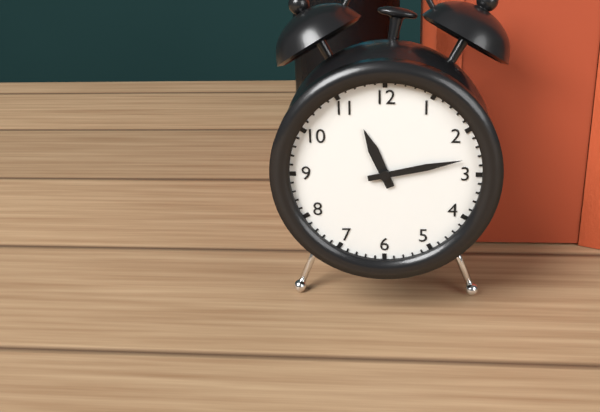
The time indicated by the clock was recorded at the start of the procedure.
11:13
